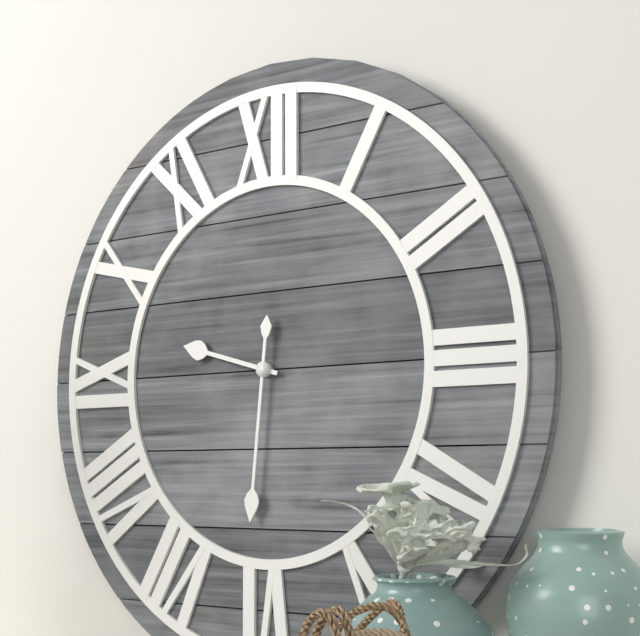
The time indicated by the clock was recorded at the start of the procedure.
9:31
